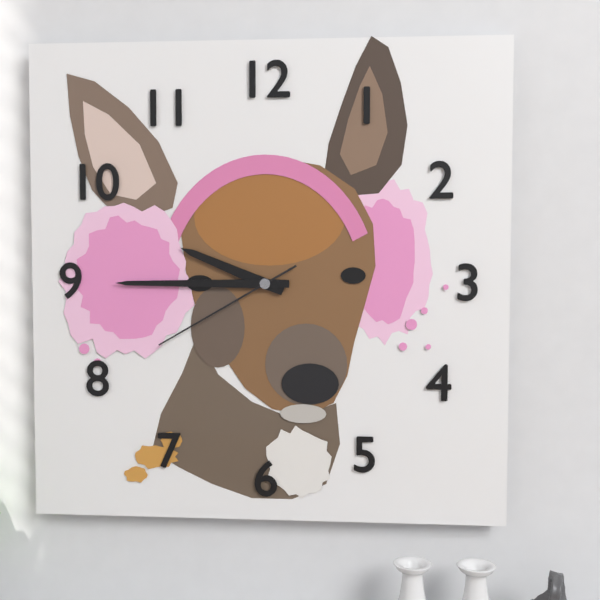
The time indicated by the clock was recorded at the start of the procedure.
9:45:40
